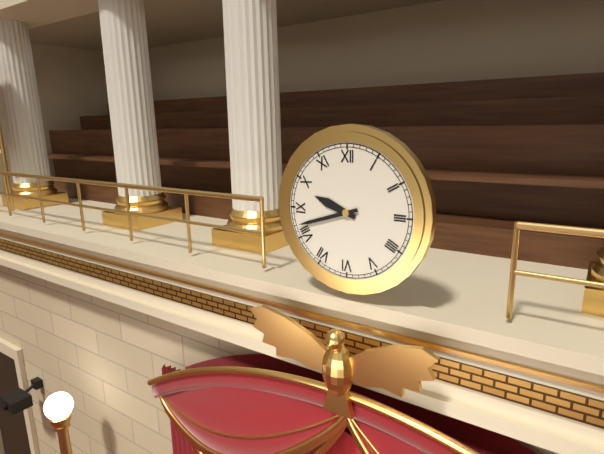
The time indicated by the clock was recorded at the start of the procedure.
9:42
